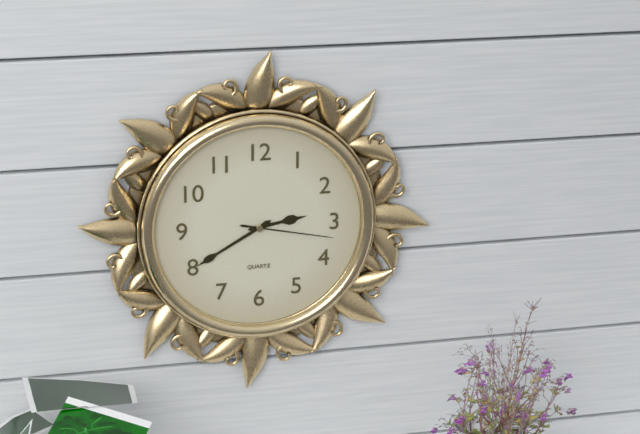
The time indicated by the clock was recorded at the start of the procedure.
2:40:17
